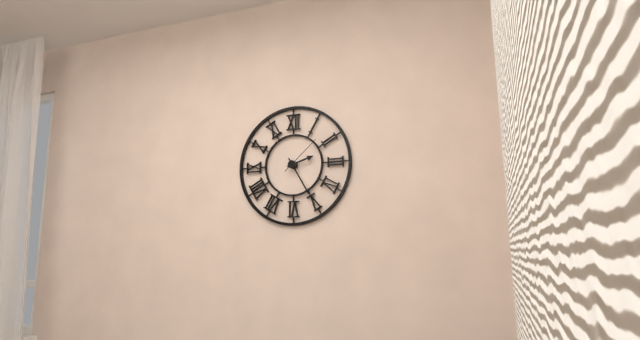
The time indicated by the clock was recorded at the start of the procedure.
2:25
